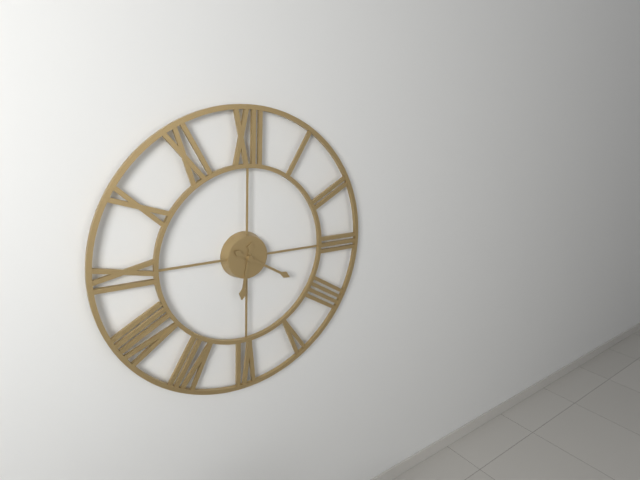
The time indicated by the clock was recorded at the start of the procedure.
6:20
